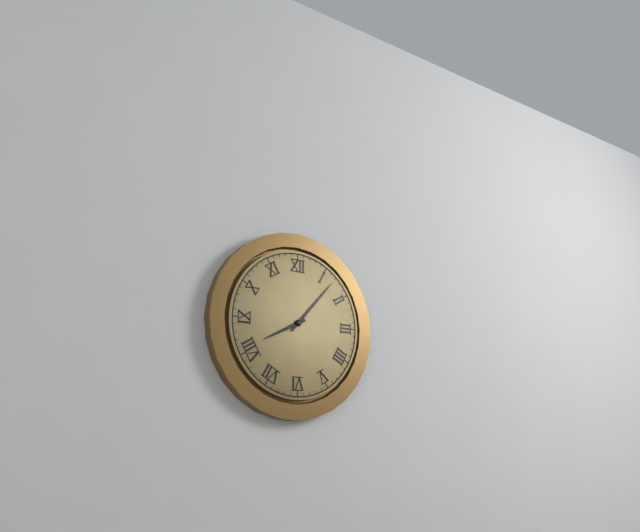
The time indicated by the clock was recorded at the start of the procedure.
8:07
